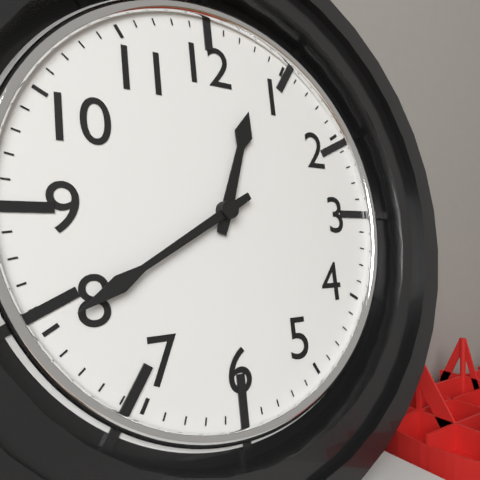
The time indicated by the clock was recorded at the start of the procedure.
12:40
